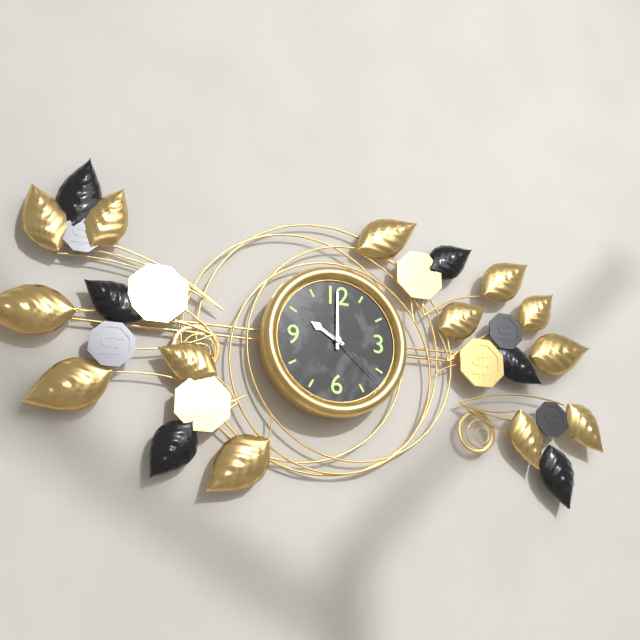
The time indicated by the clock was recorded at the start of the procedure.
10:00:22
